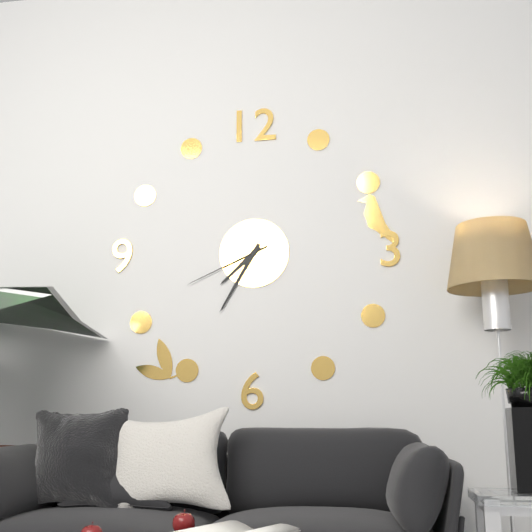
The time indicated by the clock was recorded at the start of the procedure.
7:35:41
